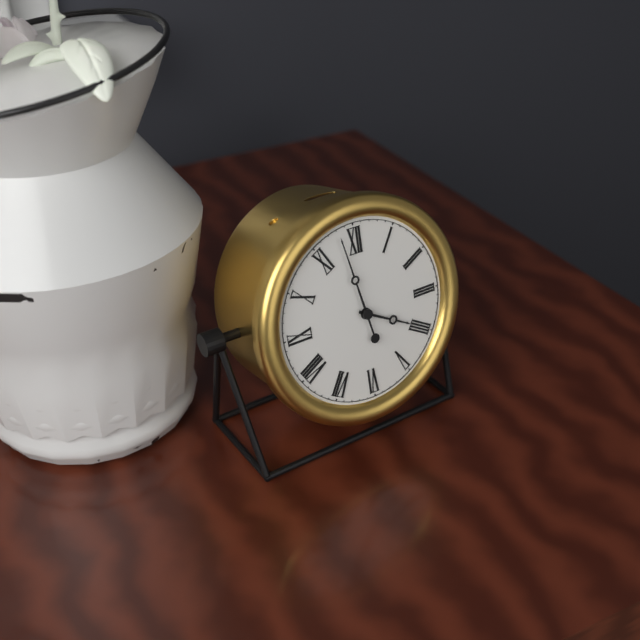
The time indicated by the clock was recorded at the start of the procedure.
3:58
